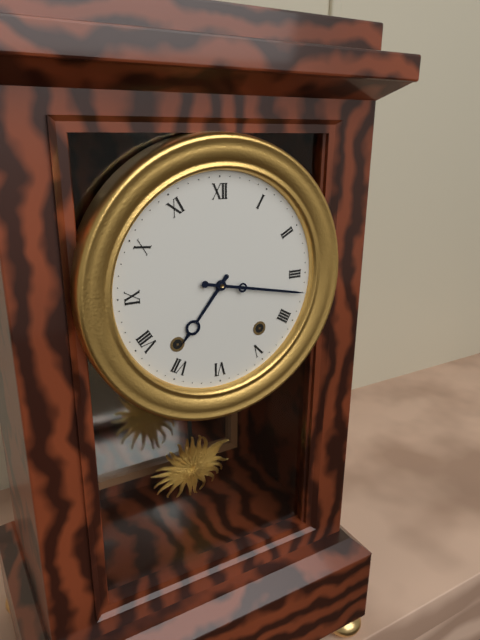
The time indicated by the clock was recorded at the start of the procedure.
7:17
